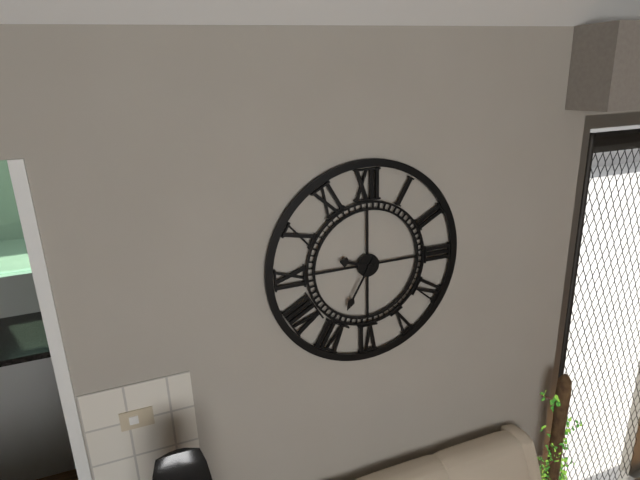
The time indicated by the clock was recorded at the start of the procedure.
9:35
